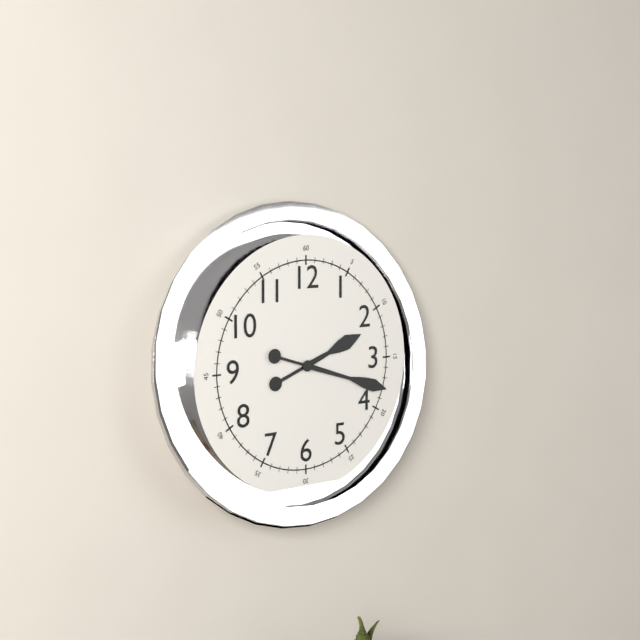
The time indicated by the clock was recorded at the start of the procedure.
2:18
